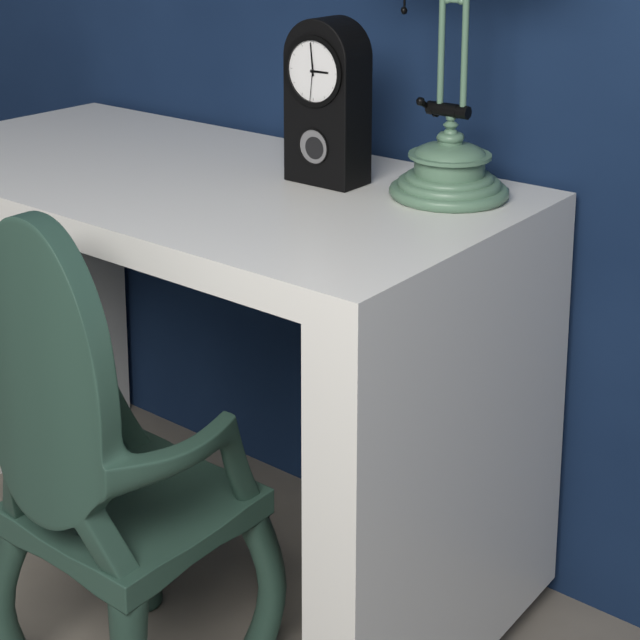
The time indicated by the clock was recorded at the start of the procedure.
2:59
